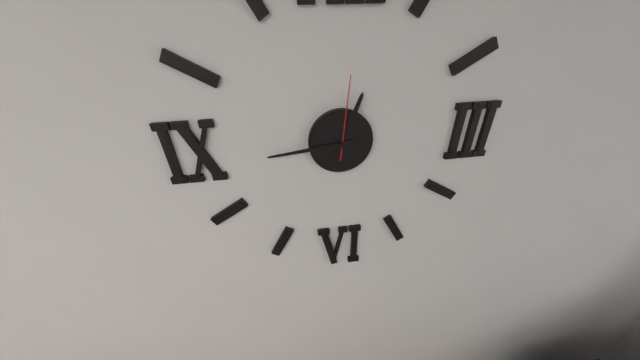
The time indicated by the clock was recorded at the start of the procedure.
12:44:01
